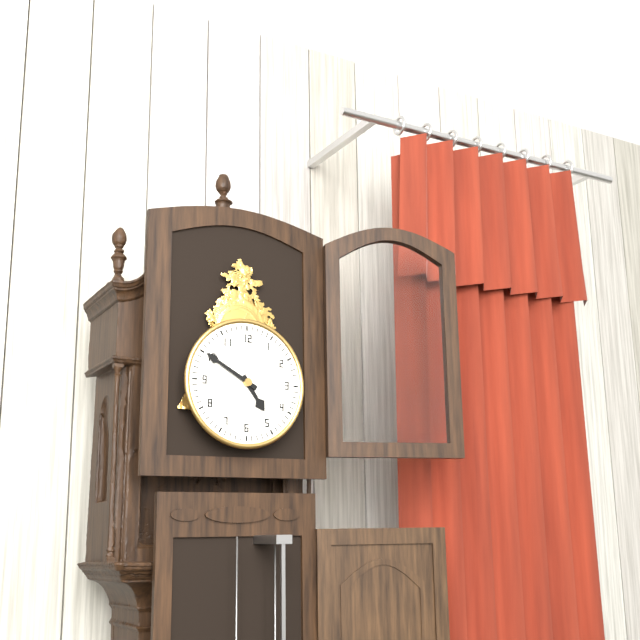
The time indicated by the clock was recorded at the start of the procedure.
4:50
